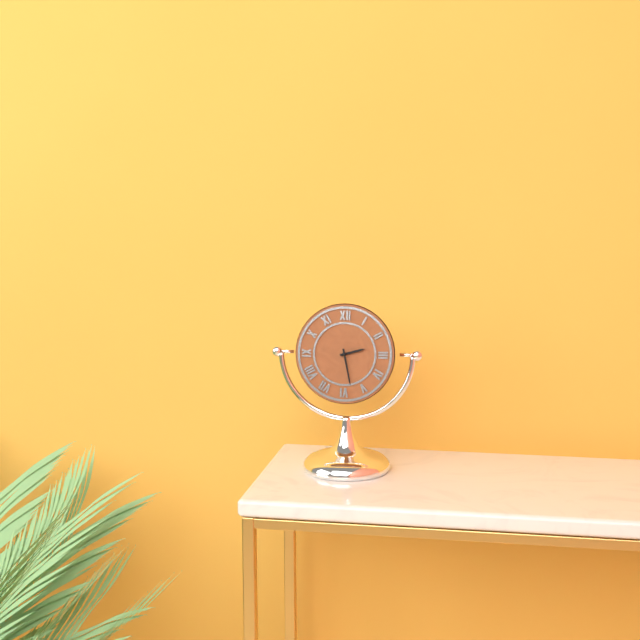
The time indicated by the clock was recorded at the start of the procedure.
2:28
